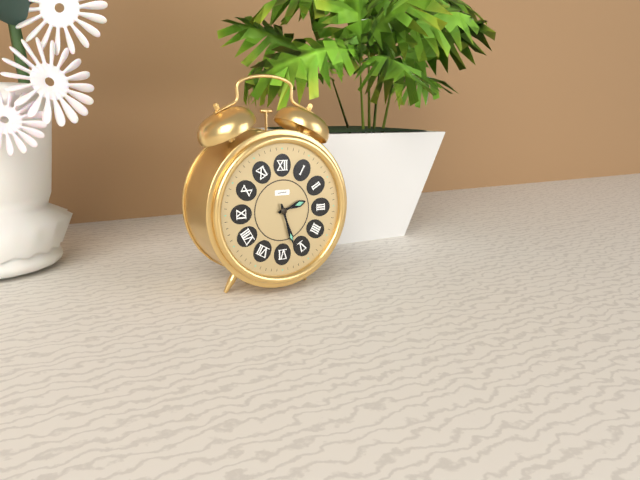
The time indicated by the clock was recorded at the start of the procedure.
2:27
